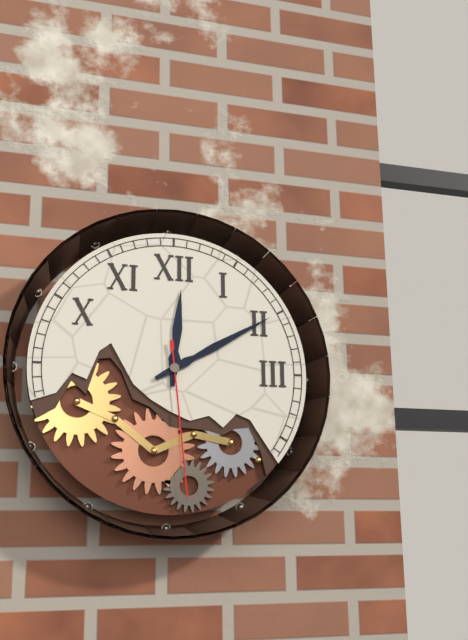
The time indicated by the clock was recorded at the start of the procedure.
12:10:29
